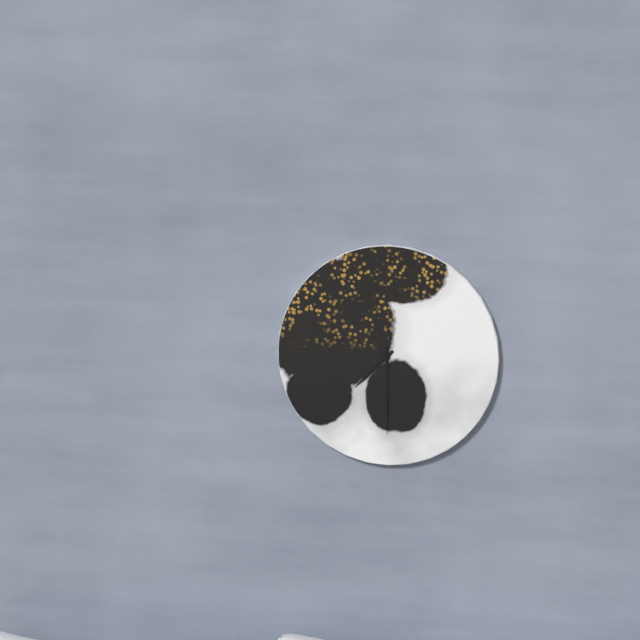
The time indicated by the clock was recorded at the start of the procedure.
7:30
